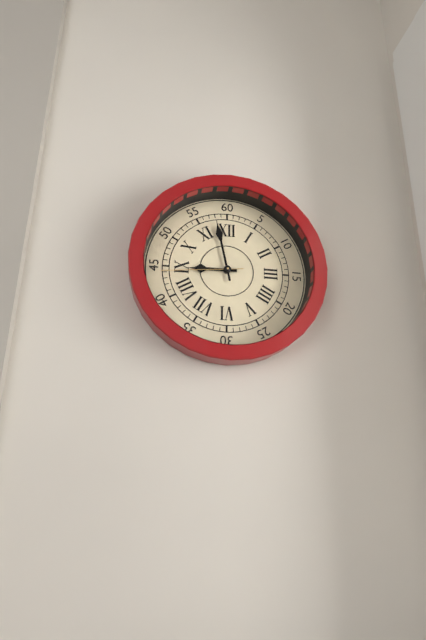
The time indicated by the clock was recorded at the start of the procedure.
8:58:44
